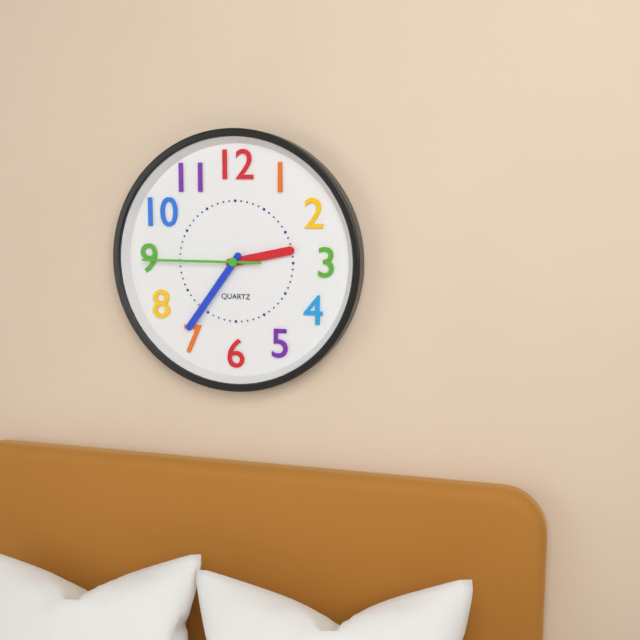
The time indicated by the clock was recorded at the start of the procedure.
2:36:45
